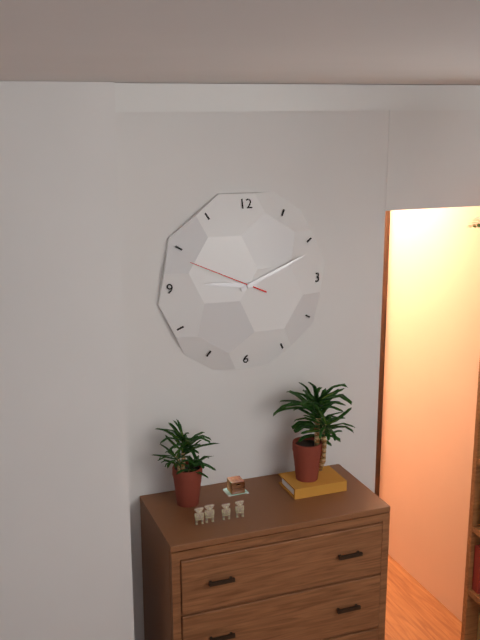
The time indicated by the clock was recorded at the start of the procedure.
9:11:49
